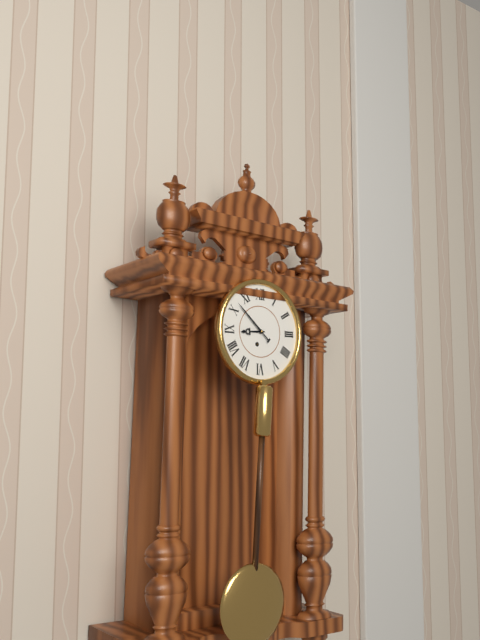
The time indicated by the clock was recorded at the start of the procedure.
8:52
